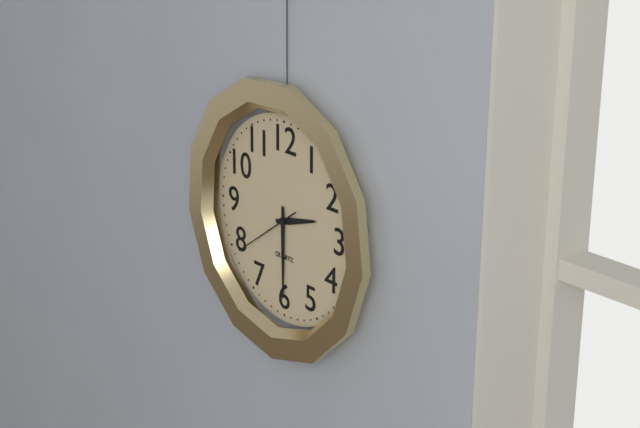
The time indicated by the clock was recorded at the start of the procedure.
2:30:39
